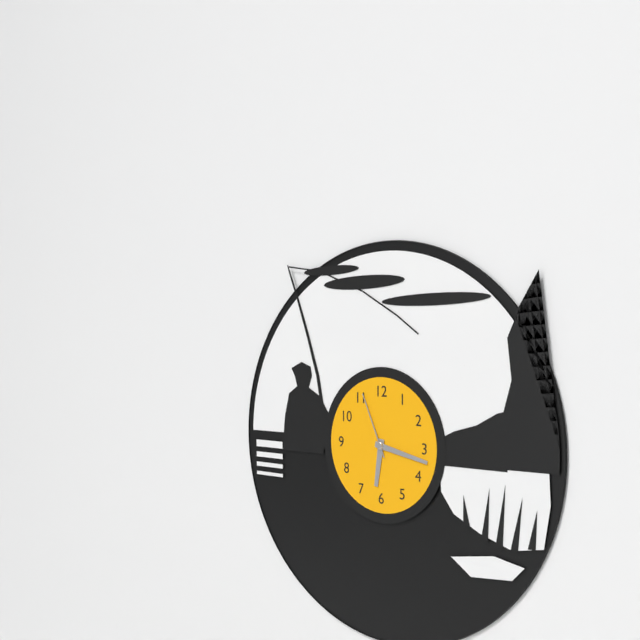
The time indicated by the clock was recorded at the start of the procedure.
6:17:56
